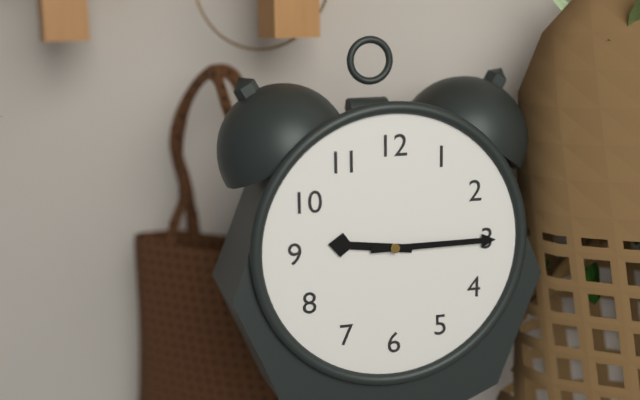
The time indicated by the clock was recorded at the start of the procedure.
9:15
